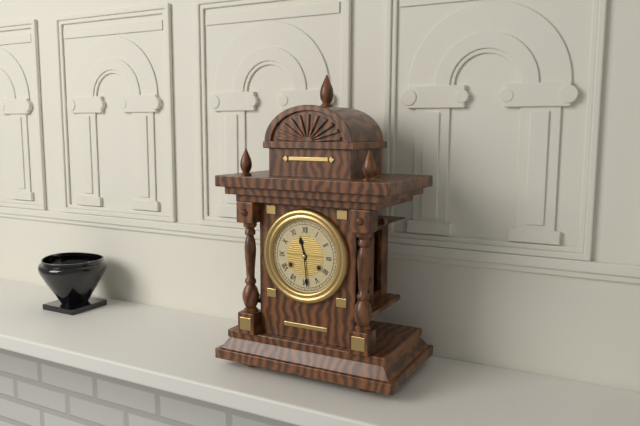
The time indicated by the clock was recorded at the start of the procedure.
11:29
